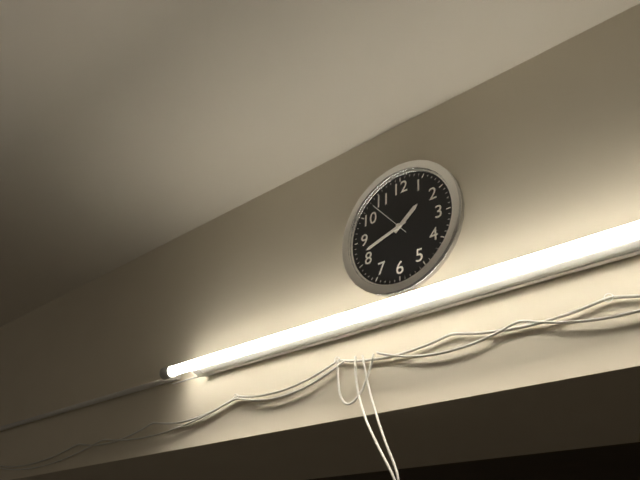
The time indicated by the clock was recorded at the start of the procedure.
1:42
